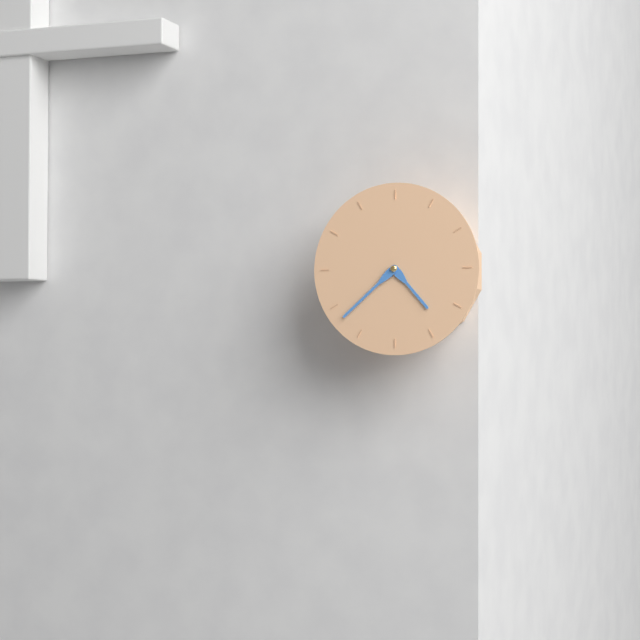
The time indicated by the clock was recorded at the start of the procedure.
4:38
